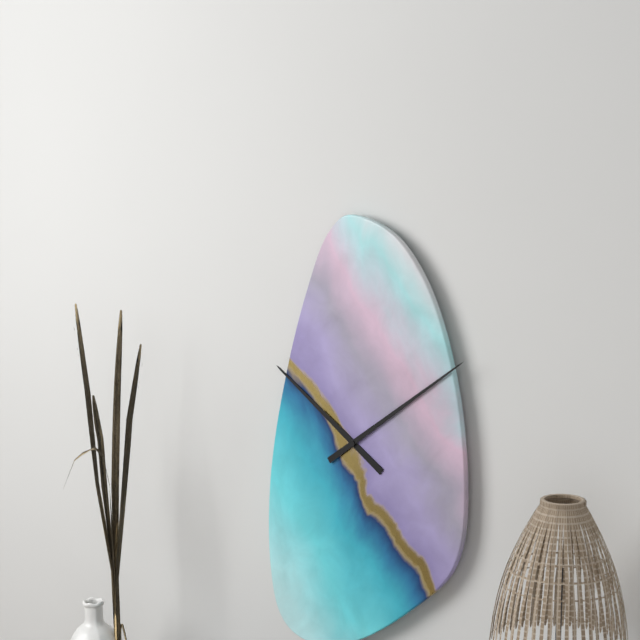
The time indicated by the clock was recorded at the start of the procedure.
10:09
